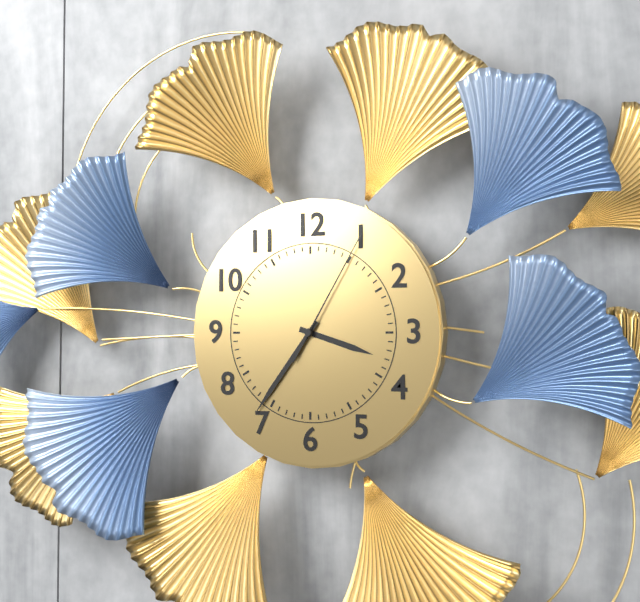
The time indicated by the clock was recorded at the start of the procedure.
3:36:05
